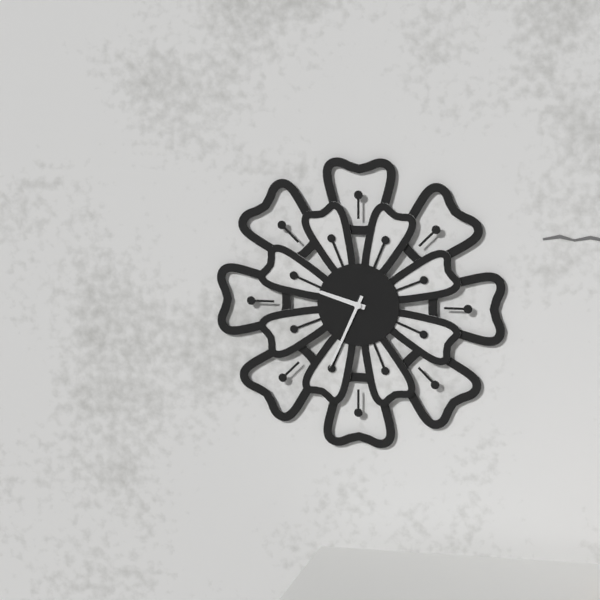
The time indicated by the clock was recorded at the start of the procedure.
9:34
